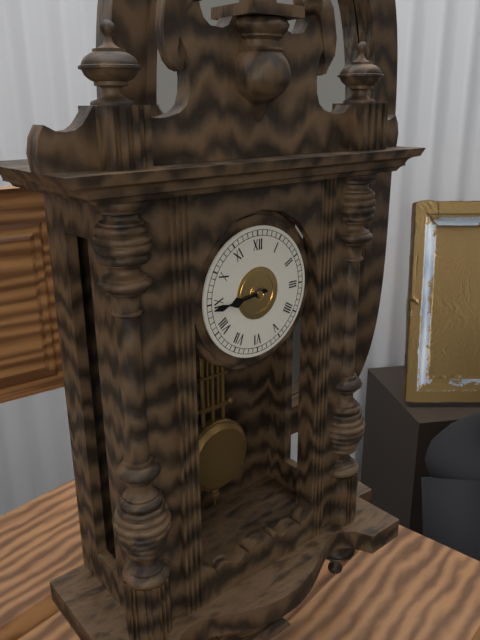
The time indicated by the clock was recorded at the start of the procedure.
8:44
